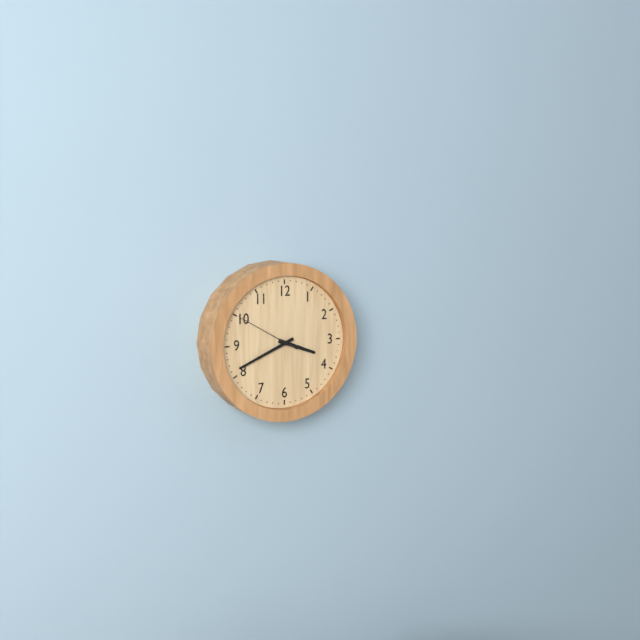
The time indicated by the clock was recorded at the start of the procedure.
3:41:50
